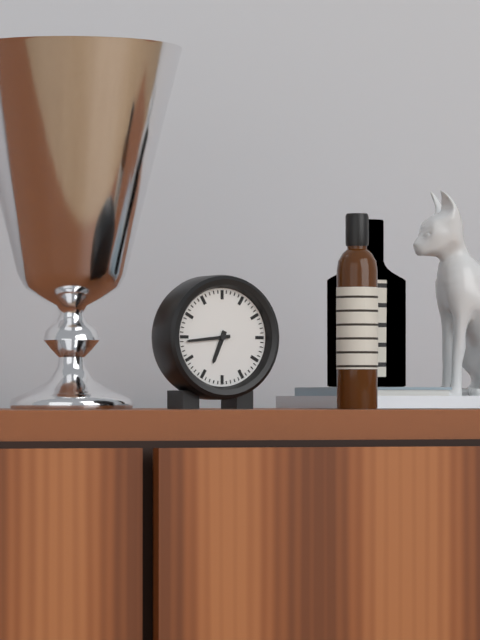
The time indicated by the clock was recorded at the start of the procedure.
6:44
